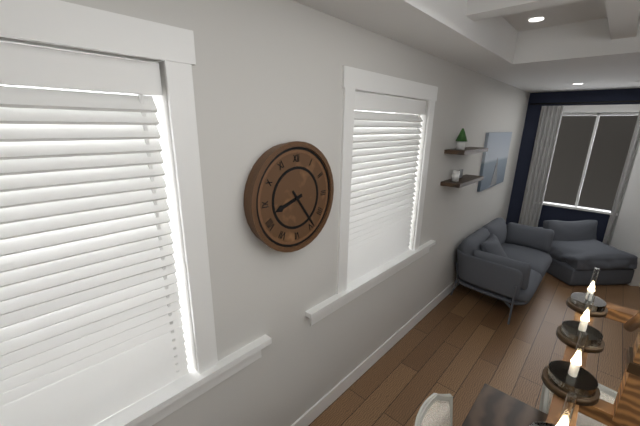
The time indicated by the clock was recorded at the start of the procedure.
8:24
